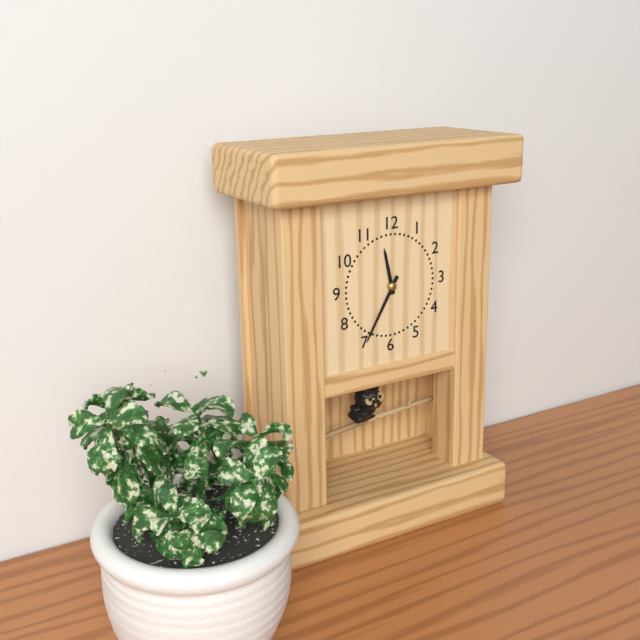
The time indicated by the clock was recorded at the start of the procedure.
11:35
